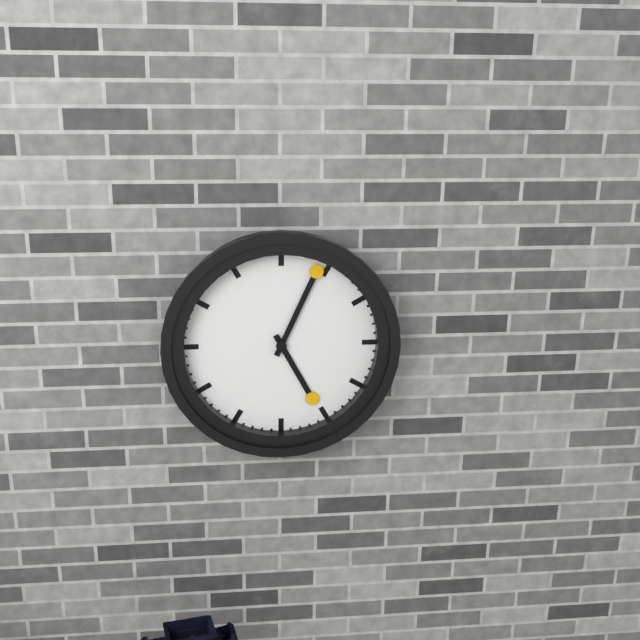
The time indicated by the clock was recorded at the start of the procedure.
5:04
